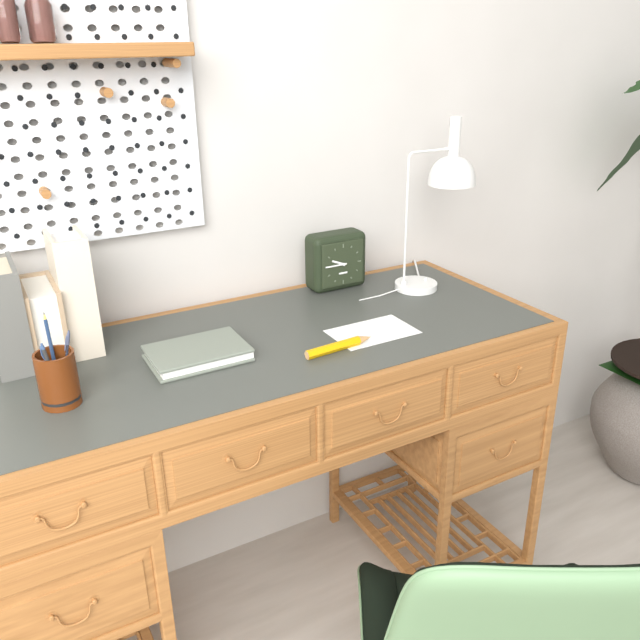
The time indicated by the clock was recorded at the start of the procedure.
9:45
